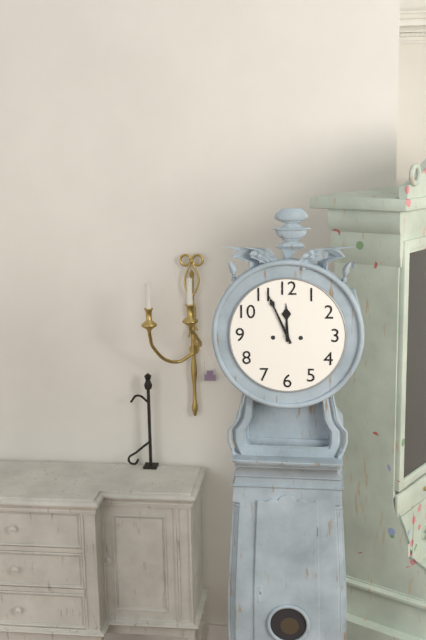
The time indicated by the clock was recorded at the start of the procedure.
11:56
